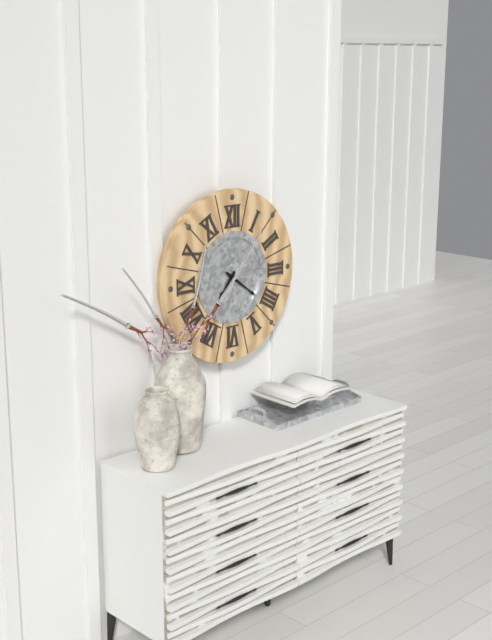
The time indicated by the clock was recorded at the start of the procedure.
7:21
